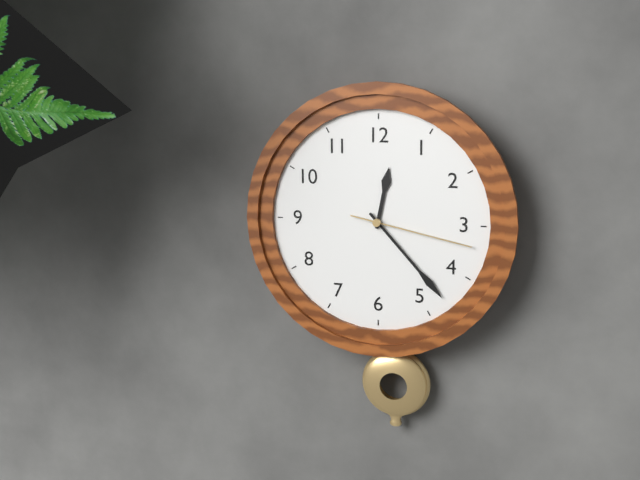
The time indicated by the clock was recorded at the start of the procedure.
12:23:17
